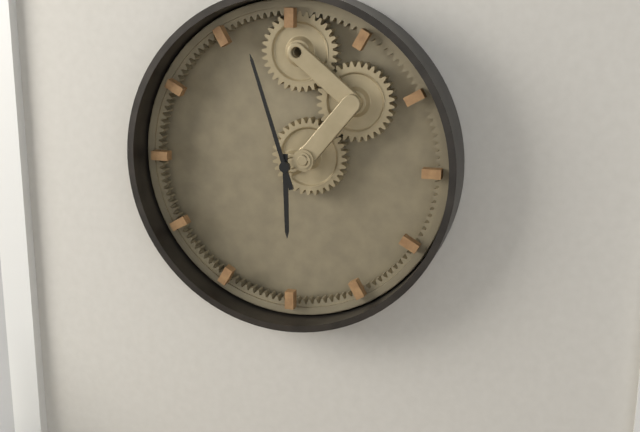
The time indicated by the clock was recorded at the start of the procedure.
5:57
